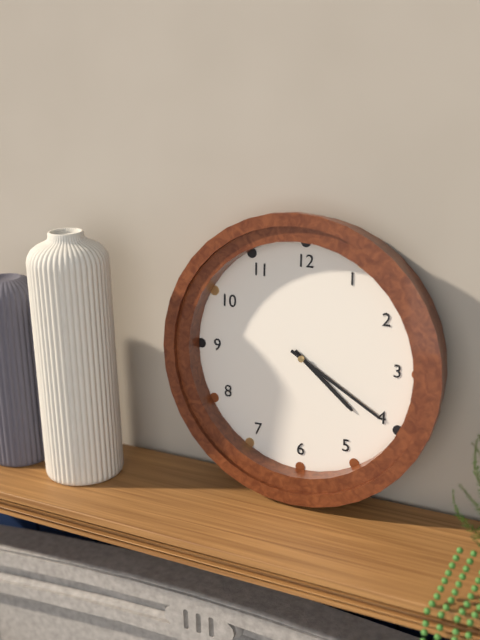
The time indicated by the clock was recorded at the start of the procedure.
4:20
